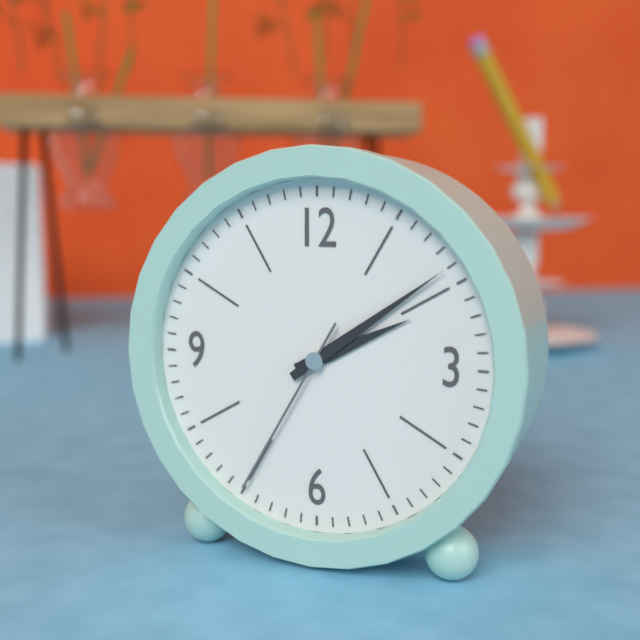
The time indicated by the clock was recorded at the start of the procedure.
2:09:35
